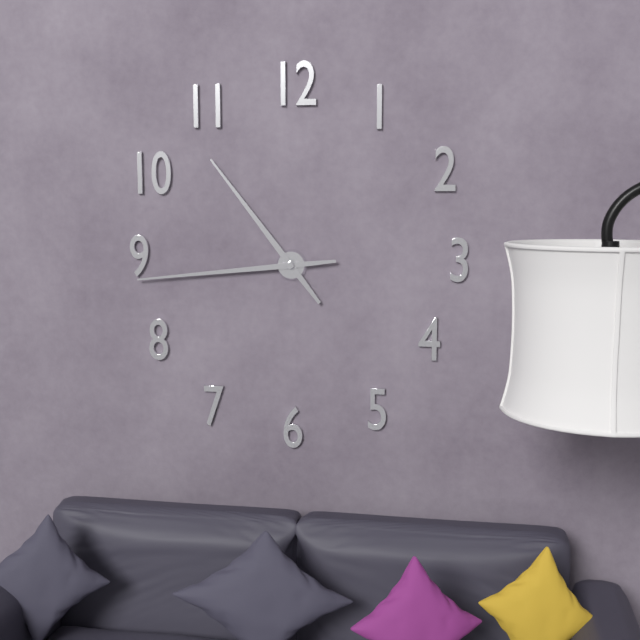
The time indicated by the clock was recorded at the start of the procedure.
10:44
